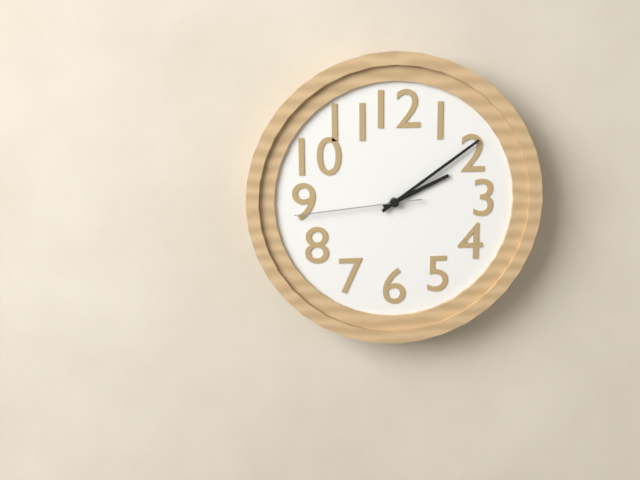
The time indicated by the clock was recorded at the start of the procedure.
2:09:44
